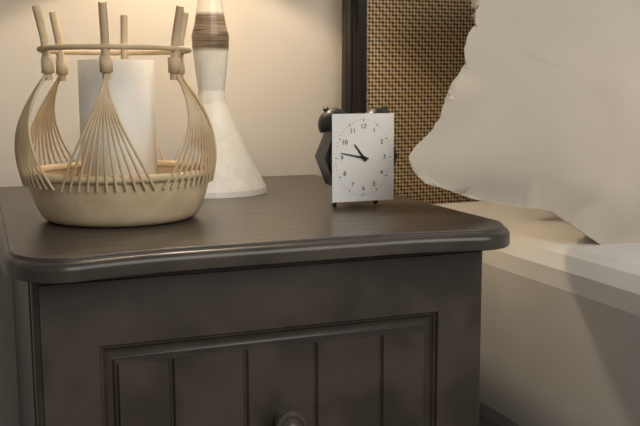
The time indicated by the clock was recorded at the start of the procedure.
10:47
